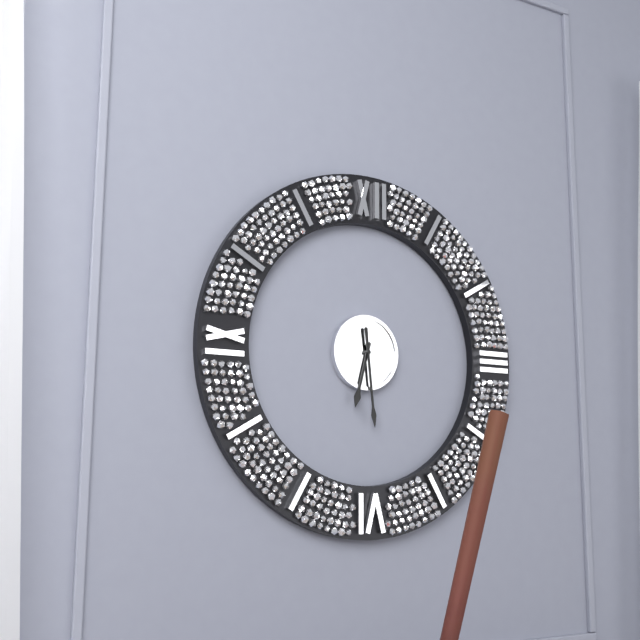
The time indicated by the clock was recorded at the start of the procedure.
6:29
